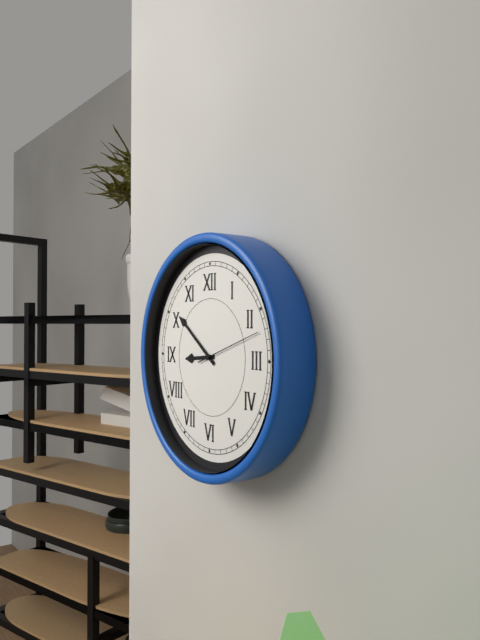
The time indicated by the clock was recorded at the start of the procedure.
8:51:12
